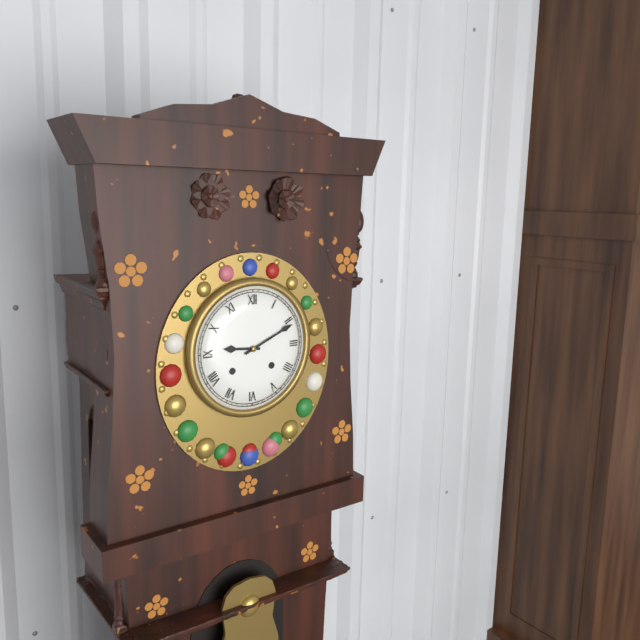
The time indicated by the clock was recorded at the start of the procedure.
9:11
